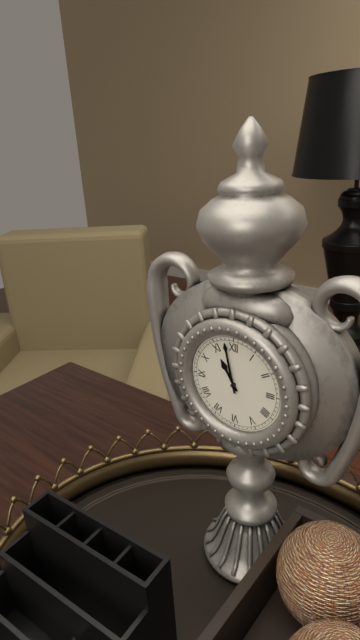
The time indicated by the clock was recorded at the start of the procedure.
10:58
